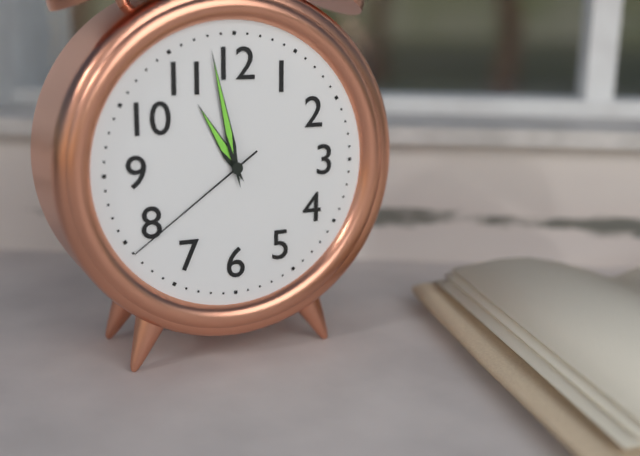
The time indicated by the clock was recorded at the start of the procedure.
10:58:39
